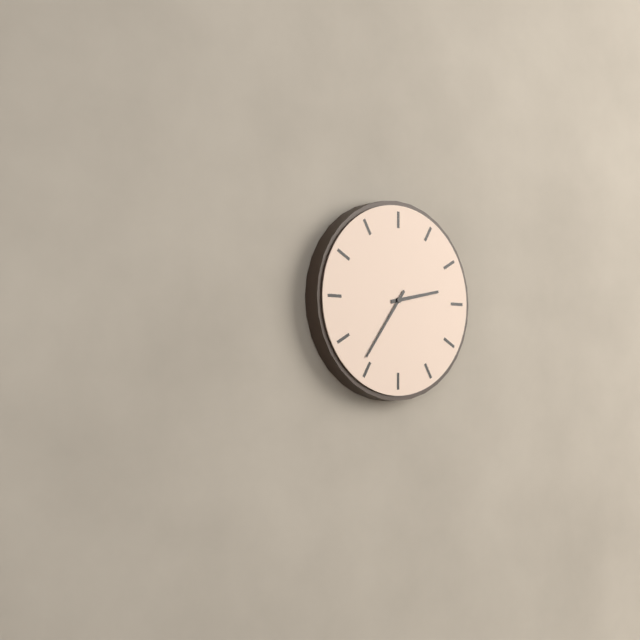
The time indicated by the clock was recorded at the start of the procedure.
2:36
